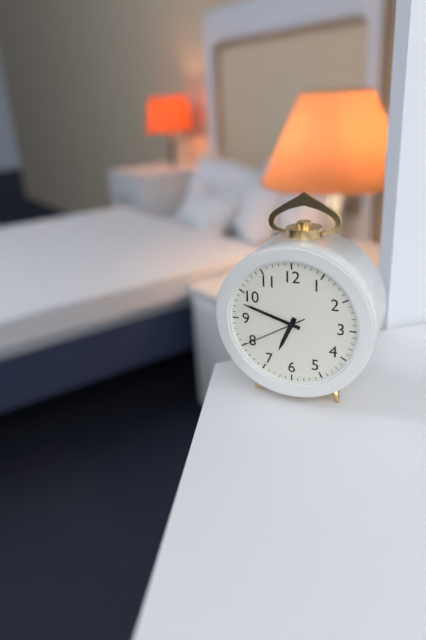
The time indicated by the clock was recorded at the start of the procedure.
6:48:40
